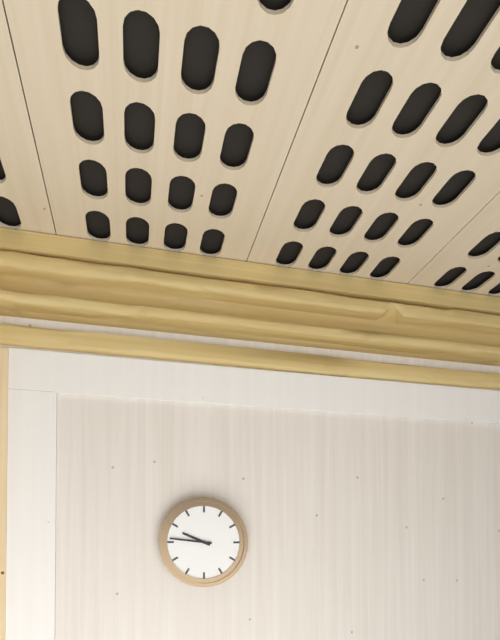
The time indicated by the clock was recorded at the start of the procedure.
9:46
